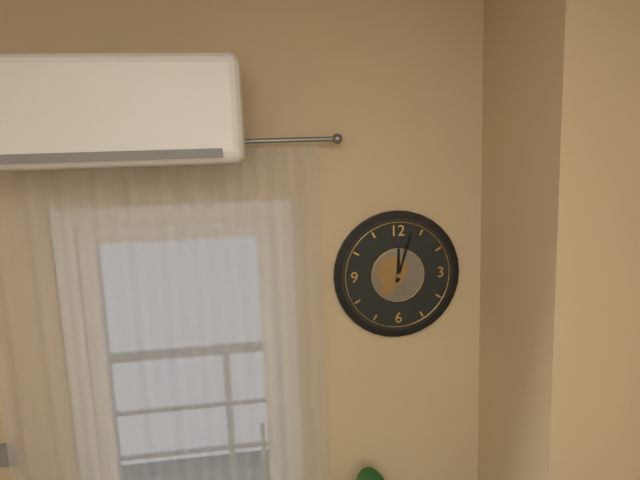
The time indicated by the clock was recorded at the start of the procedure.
12:03
